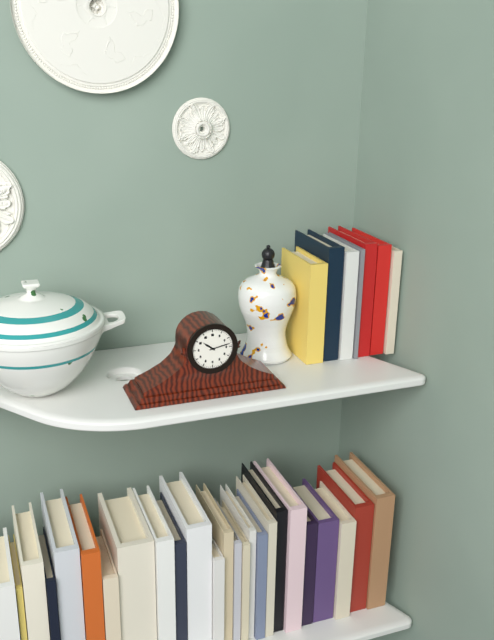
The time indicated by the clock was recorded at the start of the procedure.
10:13
